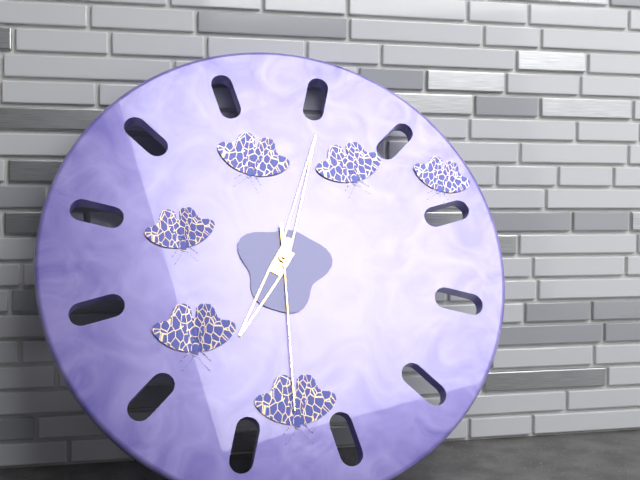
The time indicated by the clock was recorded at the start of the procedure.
7:03:30
